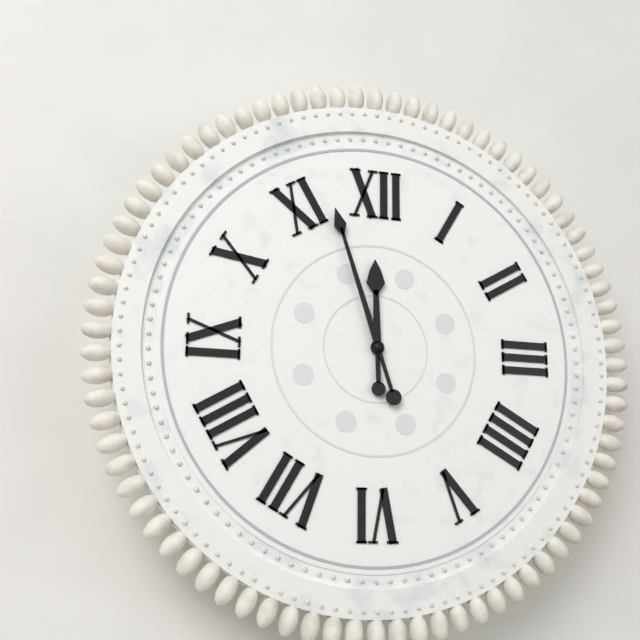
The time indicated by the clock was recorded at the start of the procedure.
11:57
